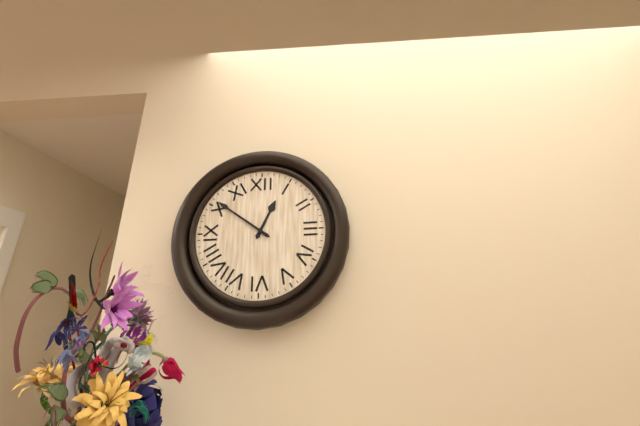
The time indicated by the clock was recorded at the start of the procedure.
12:51
